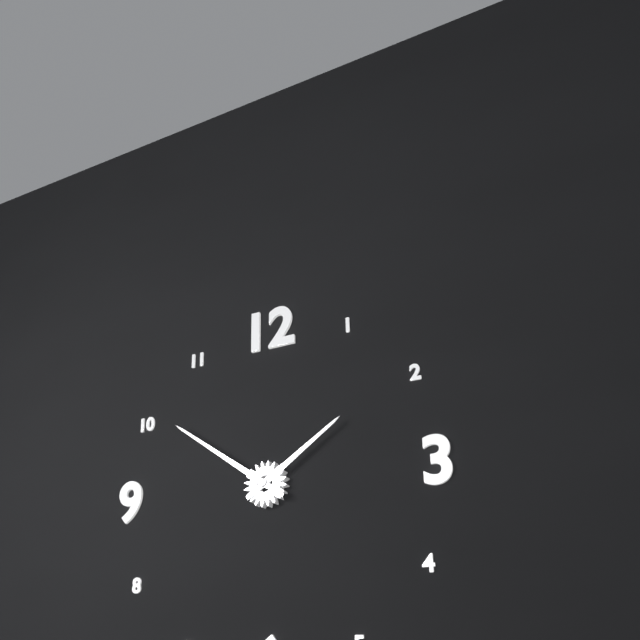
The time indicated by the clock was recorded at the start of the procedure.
1:51
